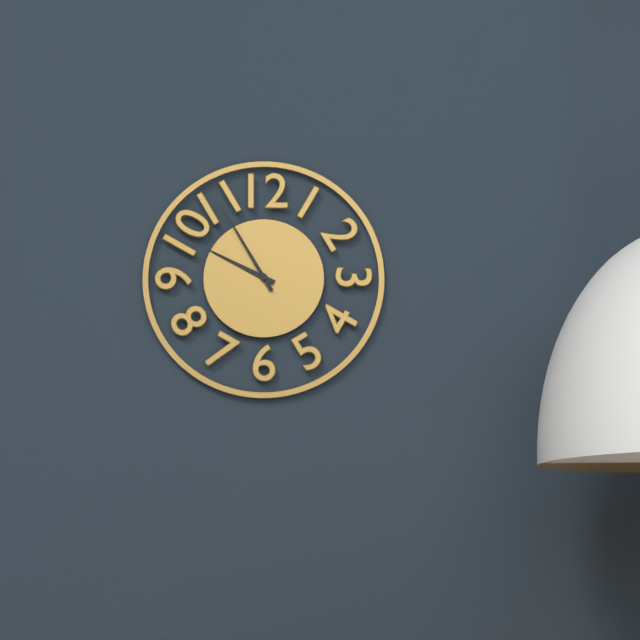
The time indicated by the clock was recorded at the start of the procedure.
9:55
